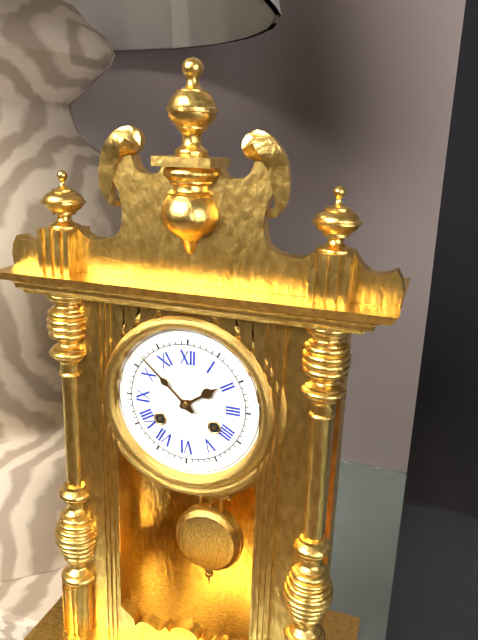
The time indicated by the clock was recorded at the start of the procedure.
1:52
